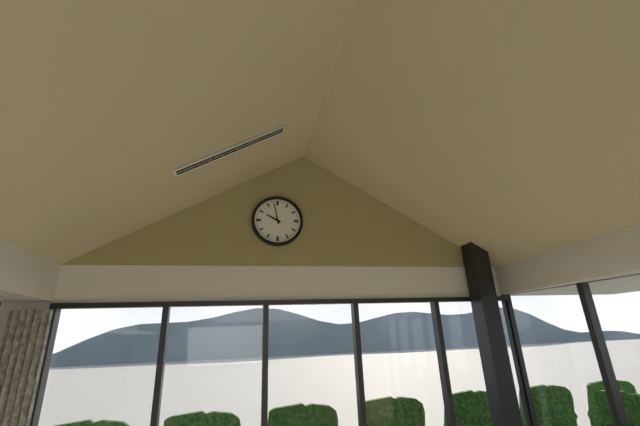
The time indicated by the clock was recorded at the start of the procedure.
9:58
